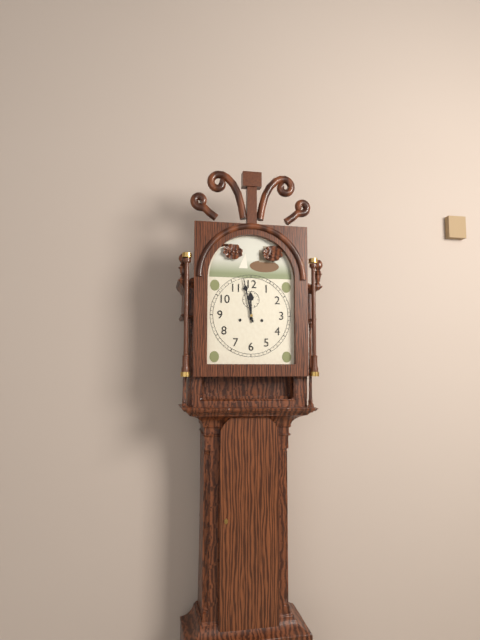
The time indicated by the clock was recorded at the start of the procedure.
11:58
